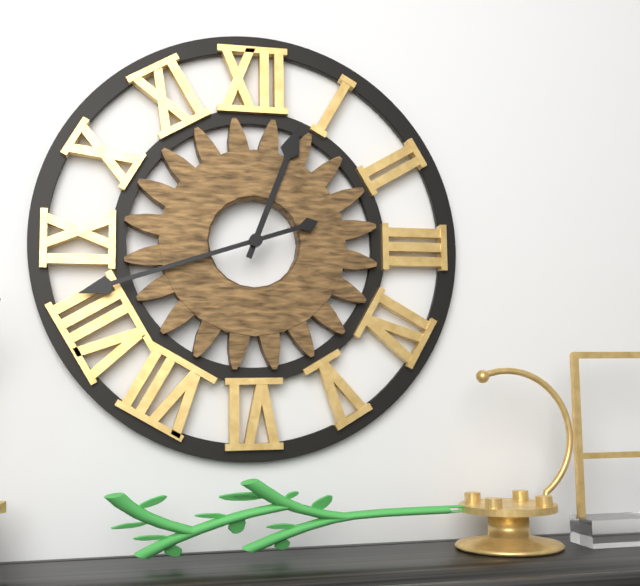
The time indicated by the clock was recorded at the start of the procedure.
12:42
